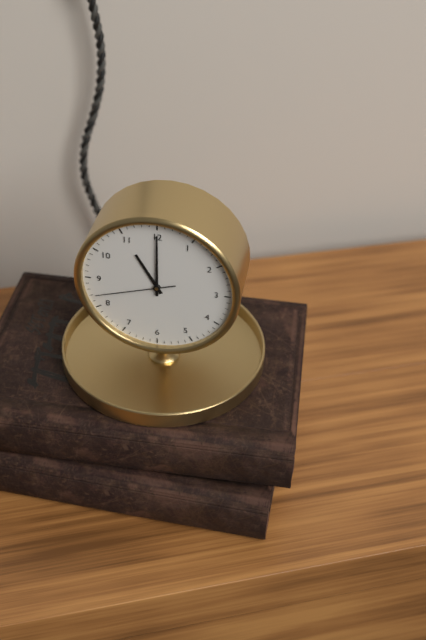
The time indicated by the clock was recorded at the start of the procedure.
11:00:42
